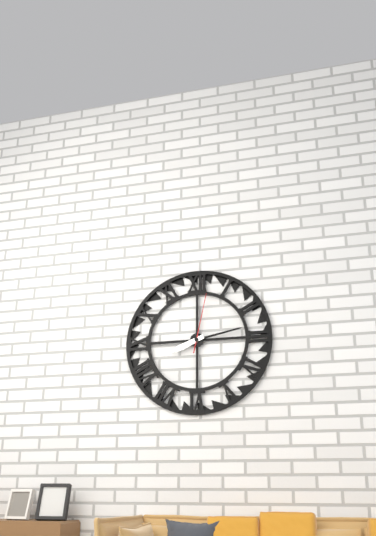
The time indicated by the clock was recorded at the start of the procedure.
8:13:02
